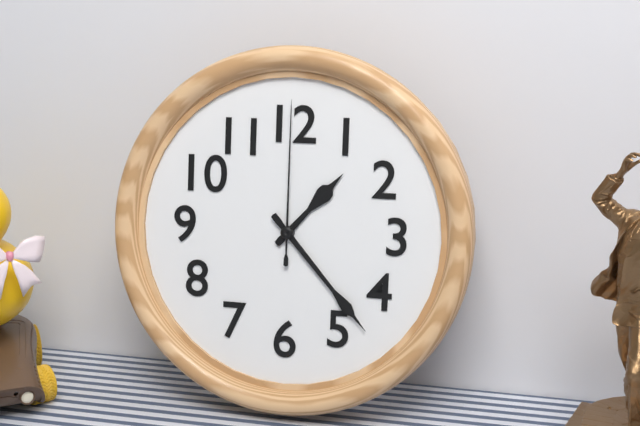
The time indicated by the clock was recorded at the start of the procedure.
1:23:00
